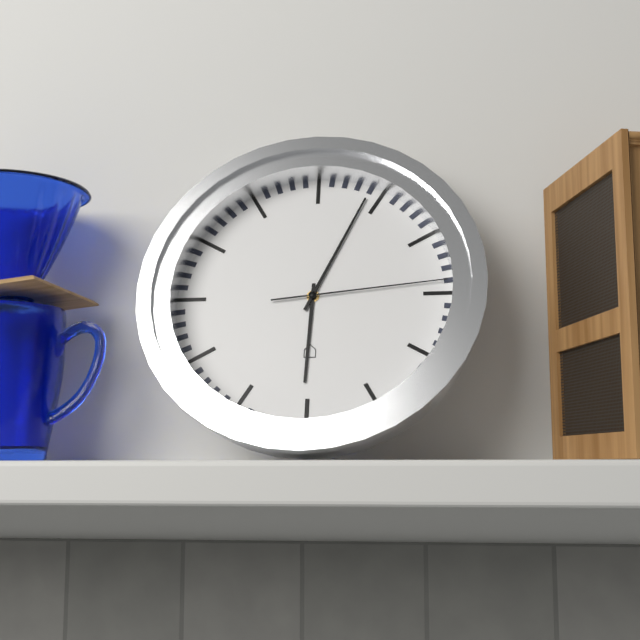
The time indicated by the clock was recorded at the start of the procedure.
6:04:14
